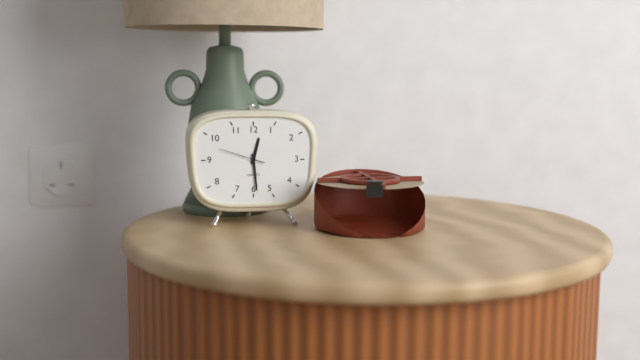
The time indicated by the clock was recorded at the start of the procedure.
12:29
